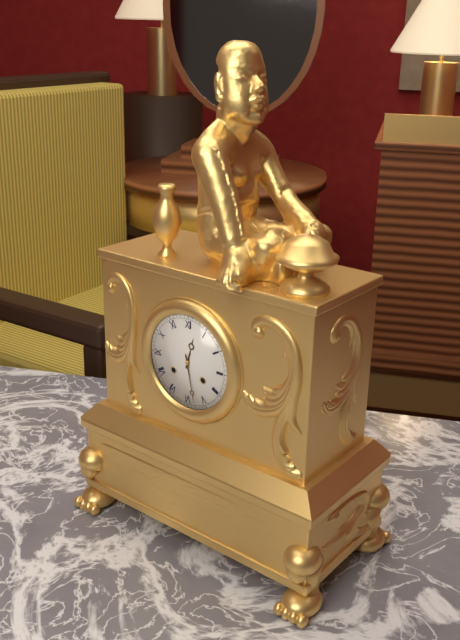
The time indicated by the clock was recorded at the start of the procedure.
12:28
